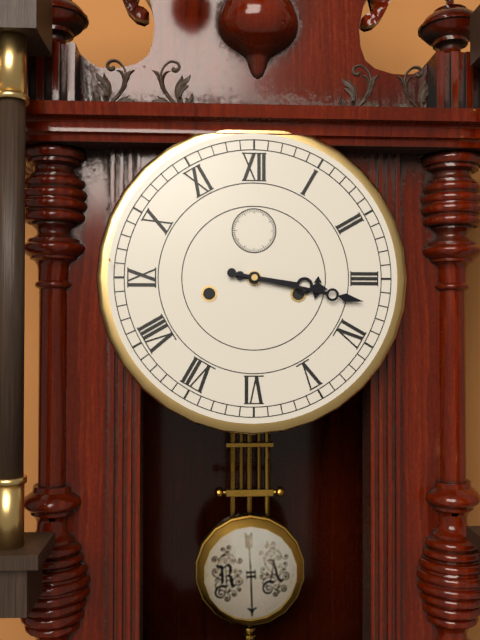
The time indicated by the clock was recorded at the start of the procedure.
3:17
